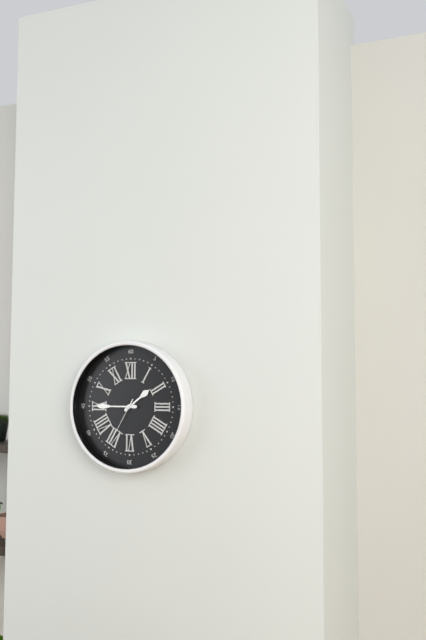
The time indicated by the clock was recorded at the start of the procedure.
1:45:35
